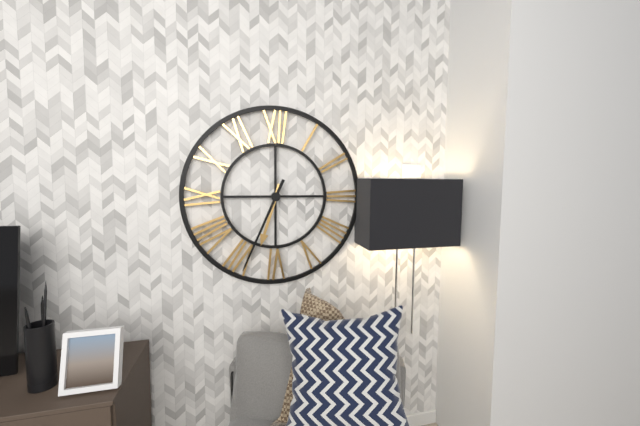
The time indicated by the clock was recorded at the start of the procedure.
6:34
